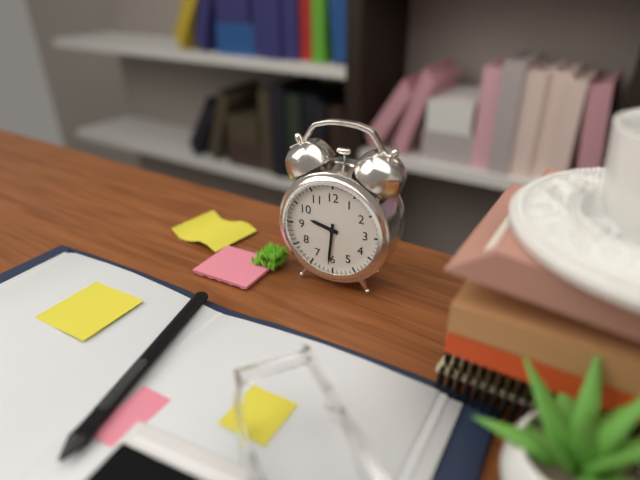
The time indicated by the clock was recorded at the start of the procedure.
9:31
